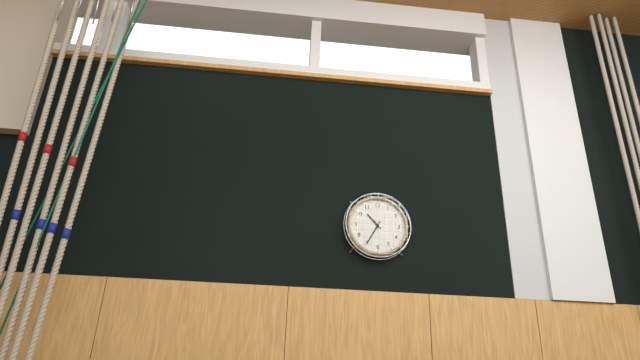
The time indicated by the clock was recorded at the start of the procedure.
10:35
